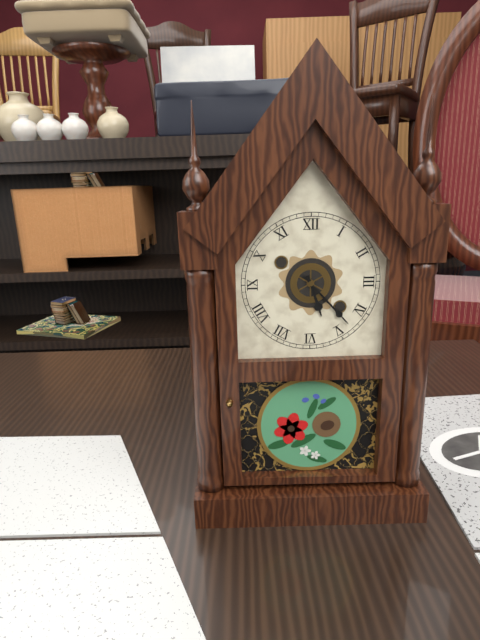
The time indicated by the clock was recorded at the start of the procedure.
5:23
